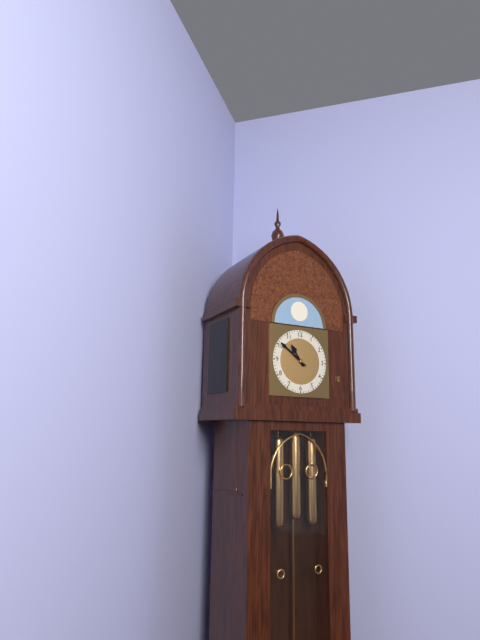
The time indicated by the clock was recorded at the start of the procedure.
10:51
